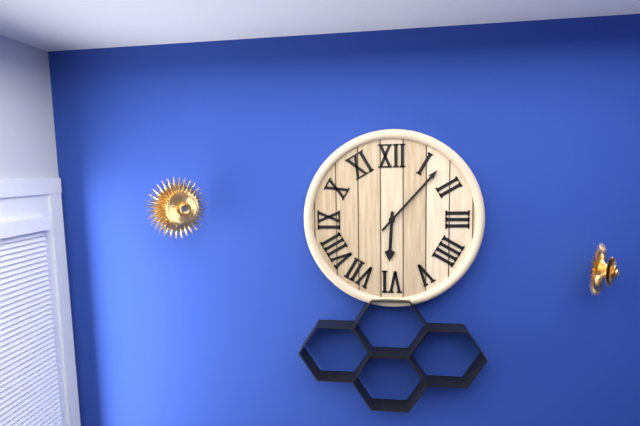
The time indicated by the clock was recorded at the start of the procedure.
6:07
